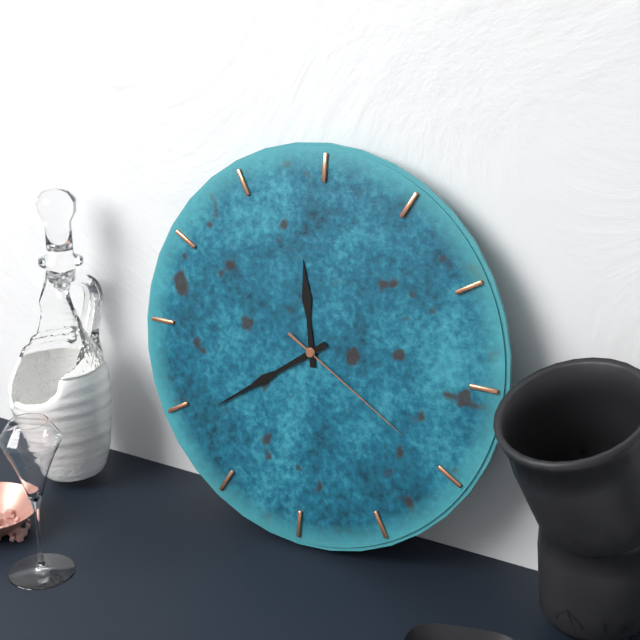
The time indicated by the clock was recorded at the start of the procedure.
11:39:20
